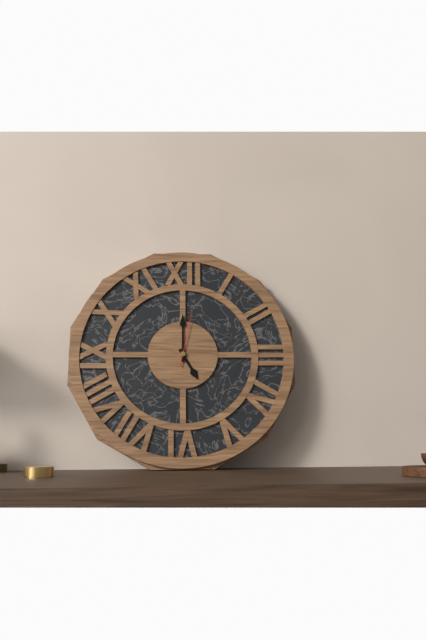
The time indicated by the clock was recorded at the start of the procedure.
5:00:02
